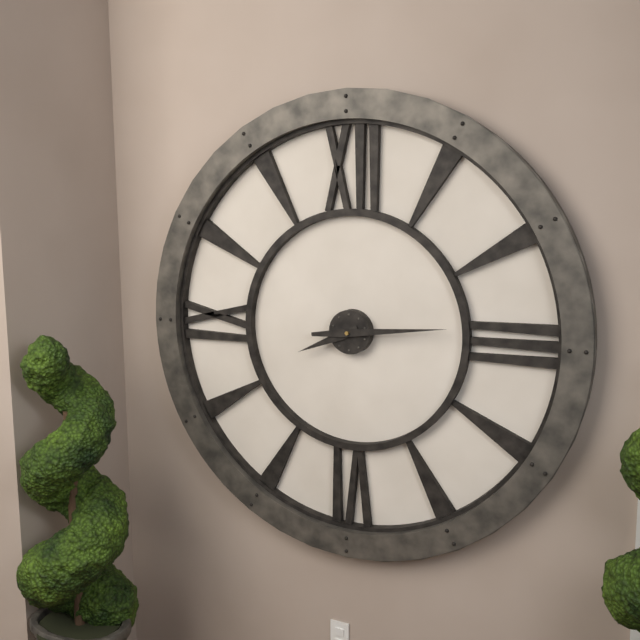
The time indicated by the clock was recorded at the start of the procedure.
8:14
